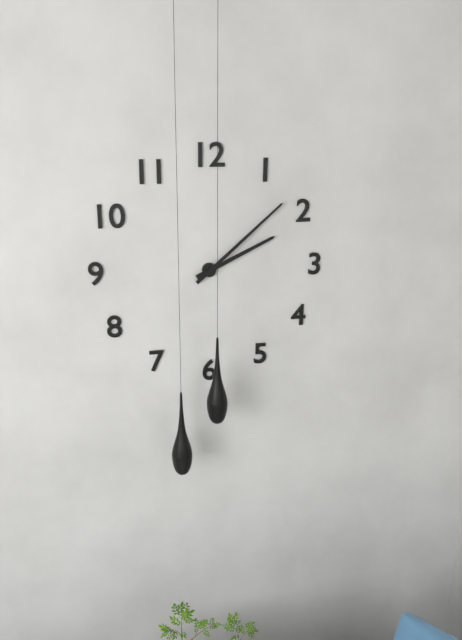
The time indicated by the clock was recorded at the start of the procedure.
2:08
